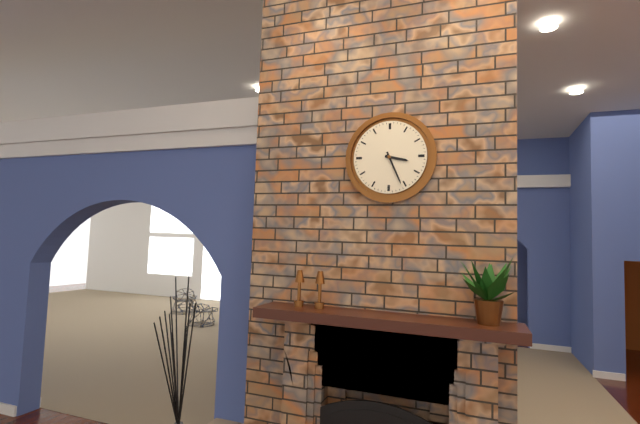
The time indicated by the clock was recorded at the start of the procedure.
3:26
